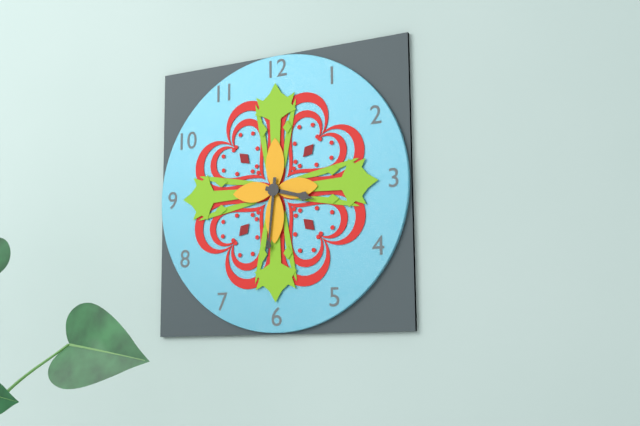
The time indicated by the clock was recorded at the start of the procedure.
3:31
